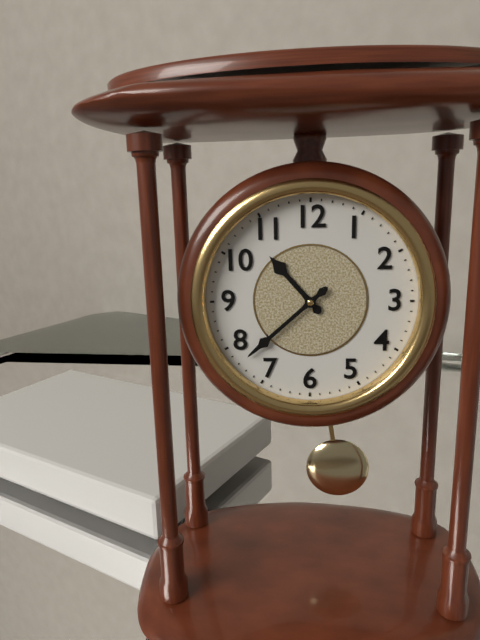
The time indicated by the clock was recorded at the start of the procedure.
10:38
